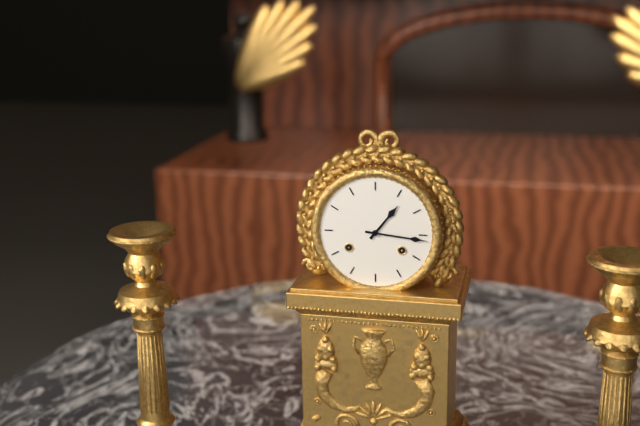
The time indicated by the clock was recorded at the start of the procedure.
1:16
